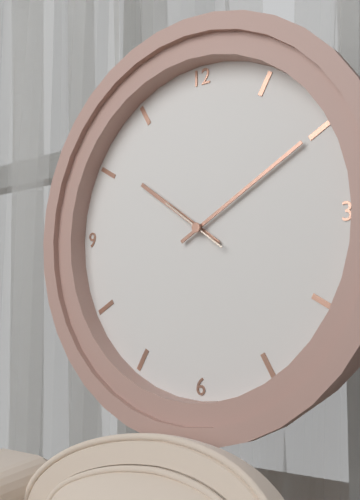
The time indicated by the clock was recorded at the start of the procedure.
10:10:51
